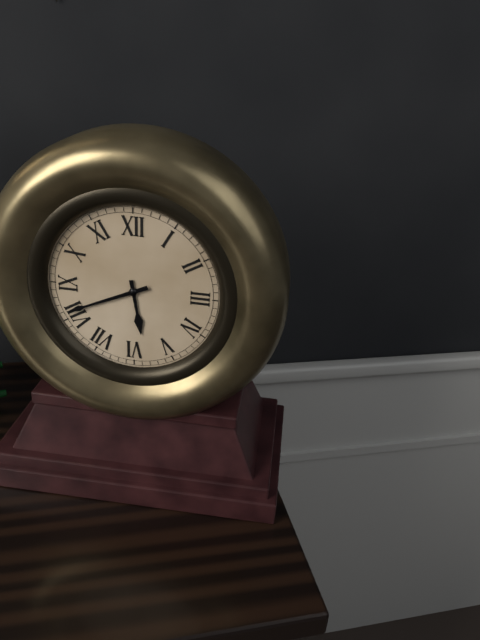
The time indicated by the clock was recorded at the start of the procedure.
5:41
